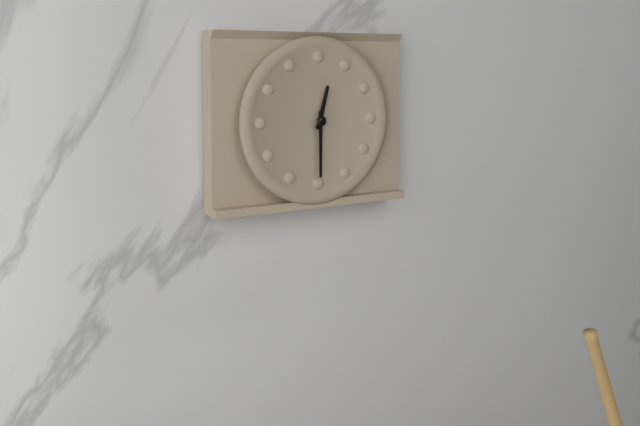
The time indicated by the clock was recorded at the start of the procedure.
12:30
